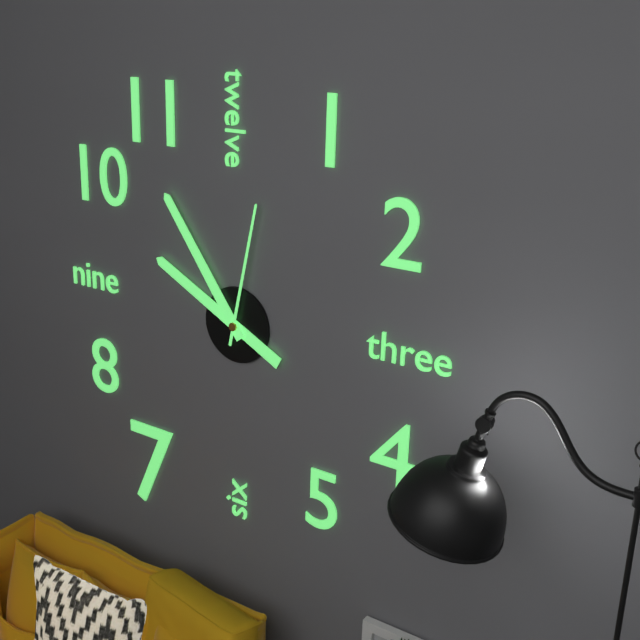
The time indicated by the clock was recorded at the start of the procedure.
9:54:02
